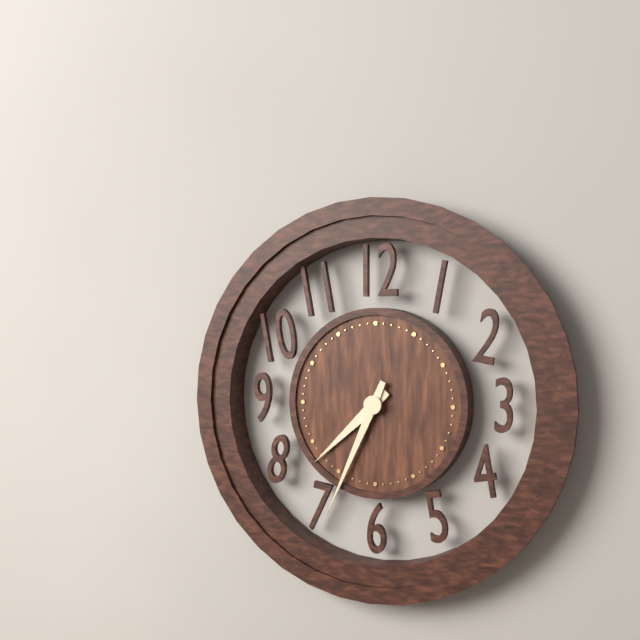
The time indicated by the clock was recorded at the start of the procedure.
7:34
